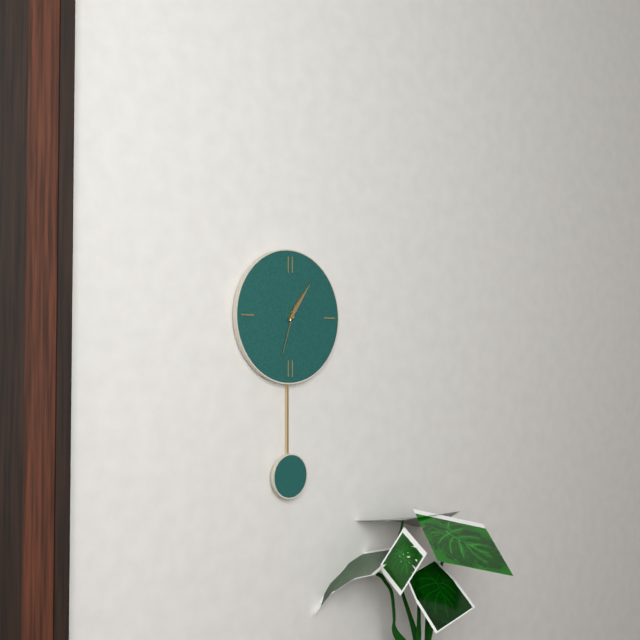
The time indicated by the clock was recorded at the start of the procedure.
1:06
